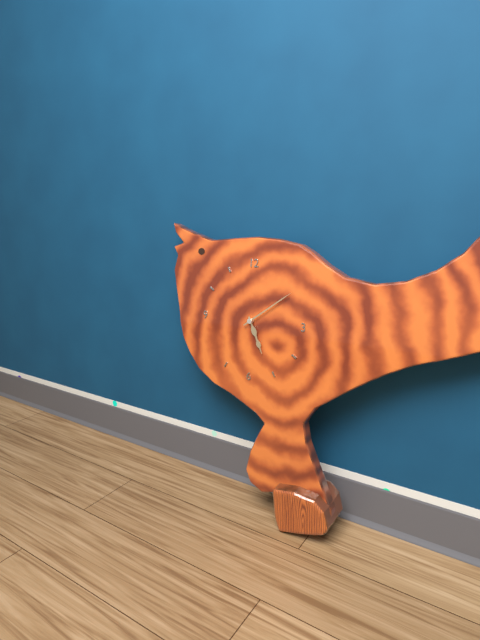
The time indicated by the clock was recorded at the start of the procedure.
5:09
